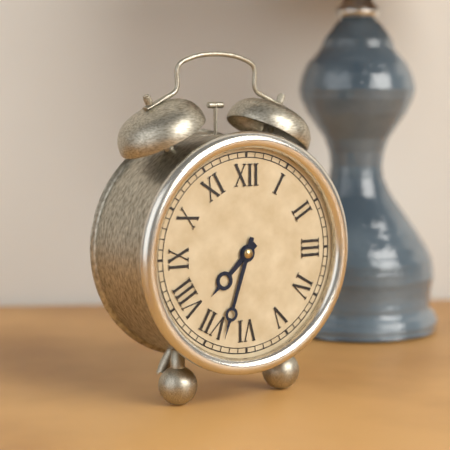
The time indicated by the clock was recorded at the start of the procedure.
7:33
